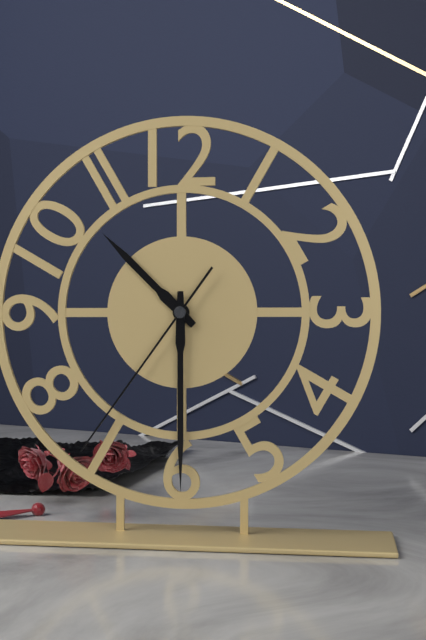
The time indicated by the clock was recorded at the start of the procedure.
10:30:36
